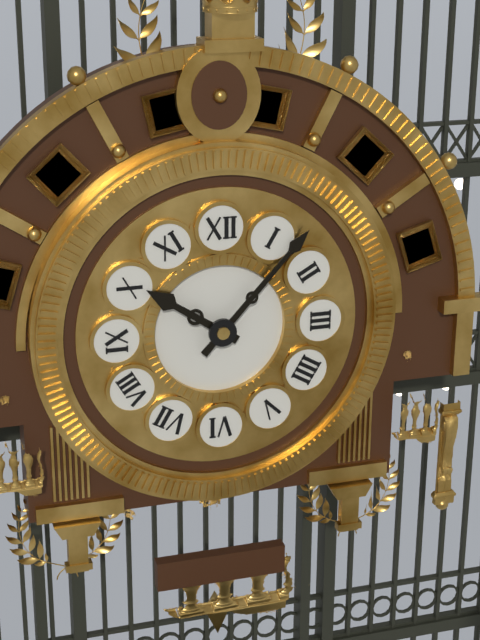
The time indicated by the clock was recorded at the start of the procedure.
10:07
